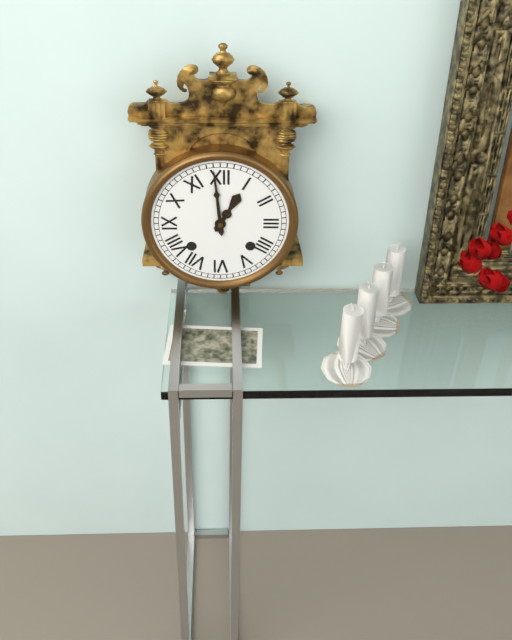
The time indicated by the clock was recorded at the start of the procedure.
12:59
